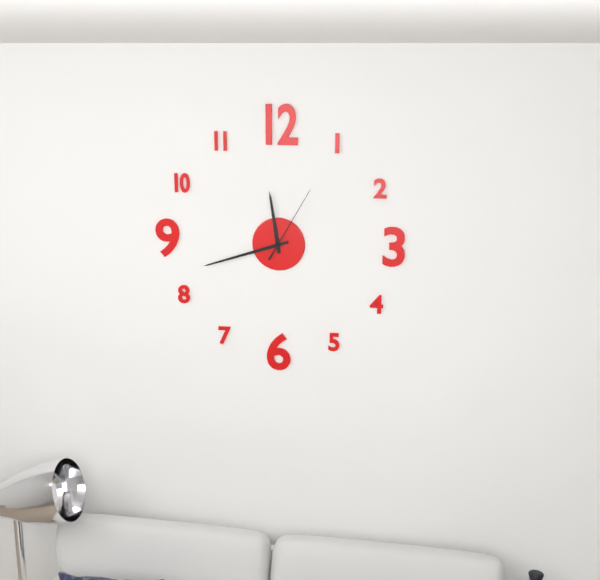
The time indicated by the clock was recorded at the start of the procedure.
11:42:05
